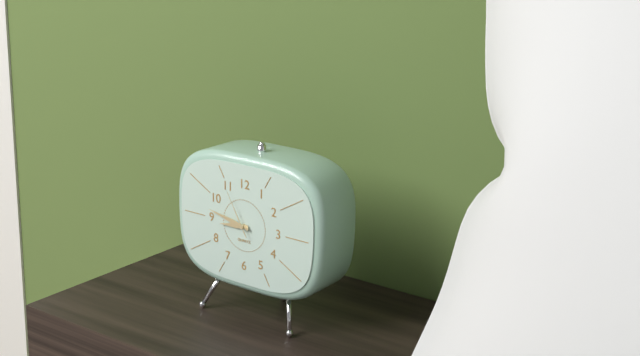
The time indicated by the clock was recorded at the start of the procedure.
8:47
